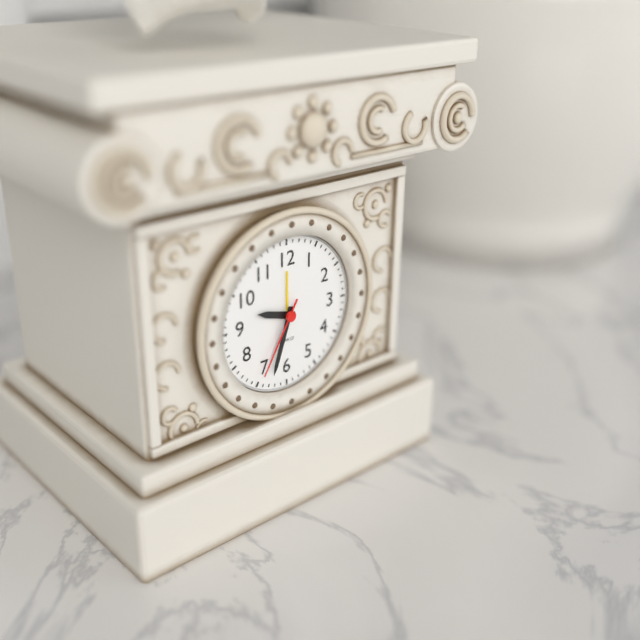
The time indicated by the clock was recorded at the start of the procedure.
9:33:35
